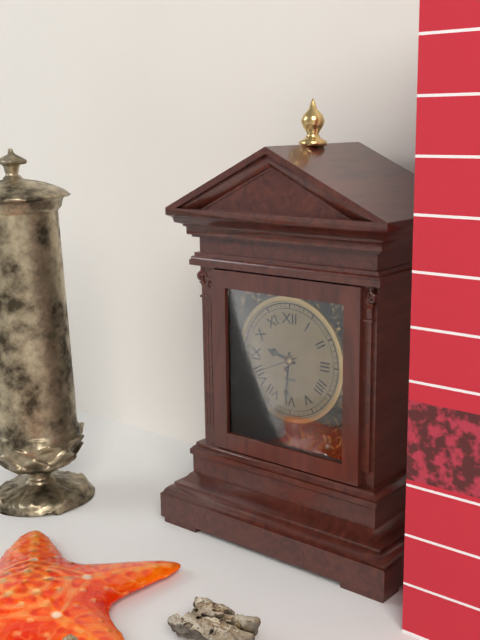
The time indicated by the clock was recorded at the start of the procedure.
9:31
